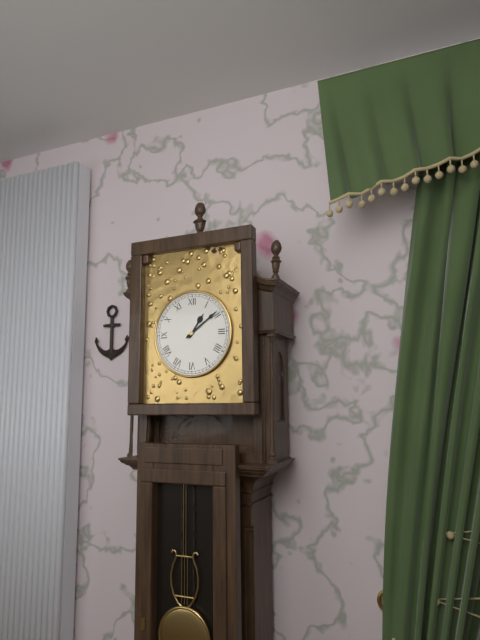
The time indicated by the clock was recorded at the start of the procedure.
1:09
